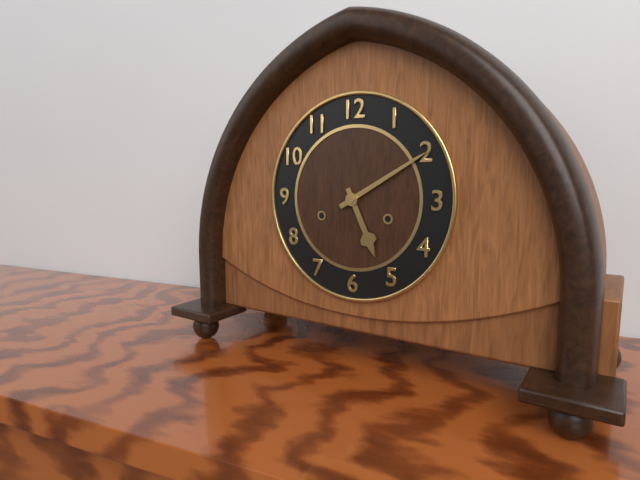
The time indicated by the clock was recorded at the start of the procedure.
5:10
